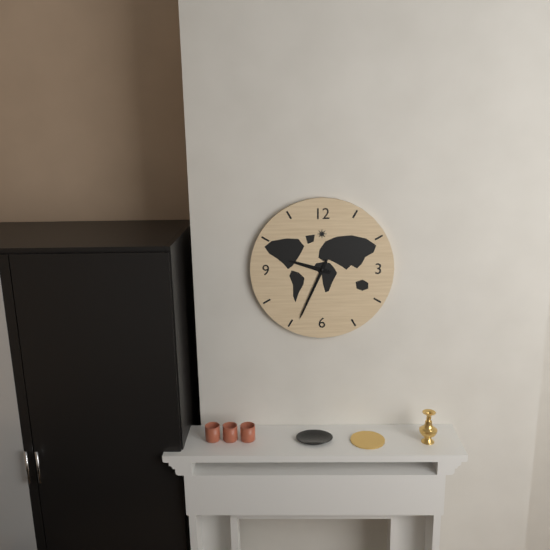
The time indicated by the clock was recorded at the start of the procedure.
9:34
